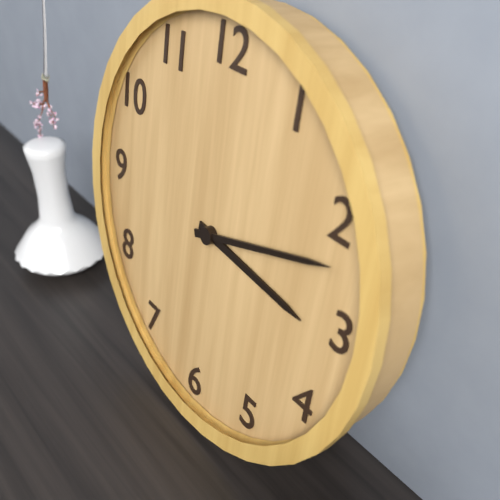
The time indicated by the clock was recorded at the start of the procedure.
3:12
